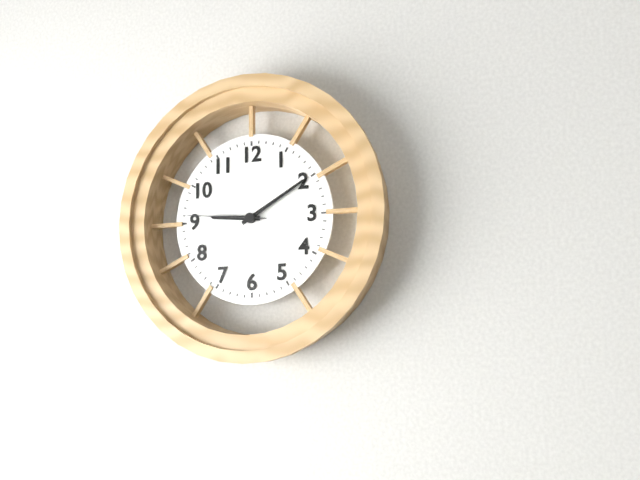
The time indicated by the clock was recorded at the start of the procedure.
9:10:46
